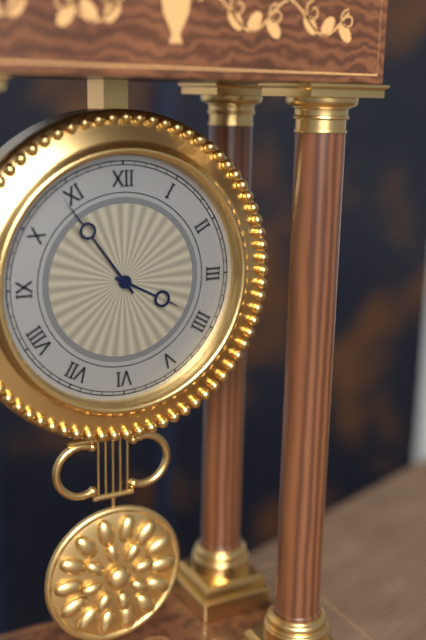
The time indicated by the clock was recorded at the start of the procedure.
3:54
